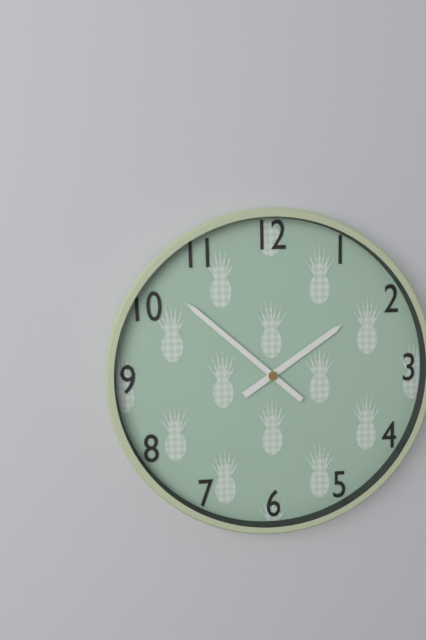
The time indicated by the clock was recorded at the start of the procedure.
1:52
